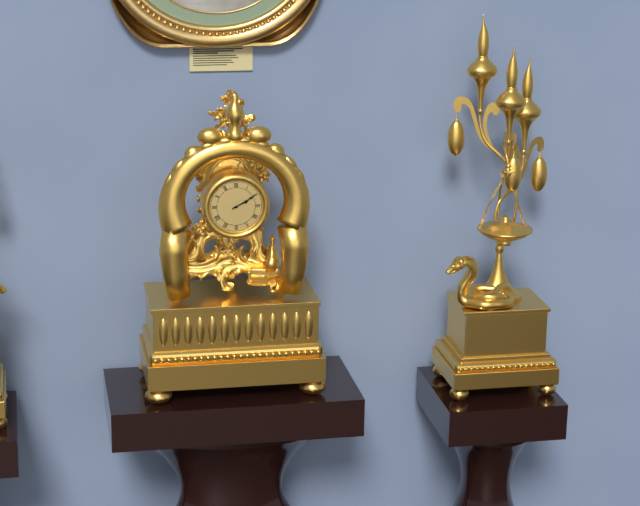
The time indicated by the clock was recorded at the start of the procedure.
2:10
